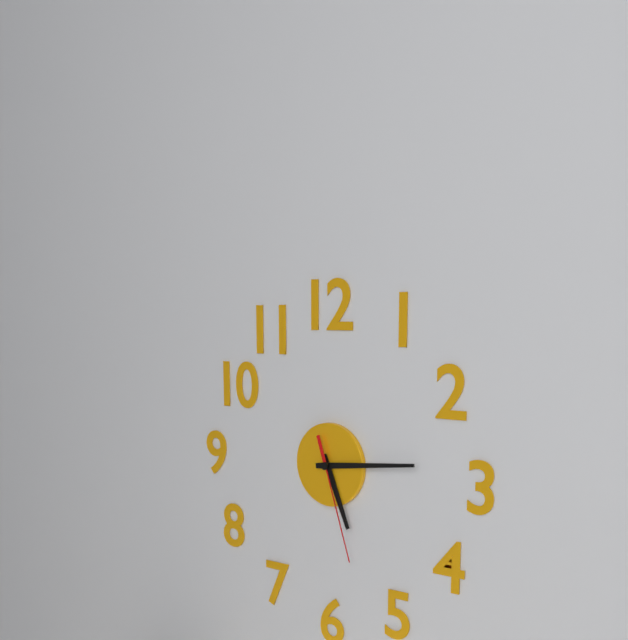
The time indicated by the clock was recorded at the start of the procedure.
5:14:27
